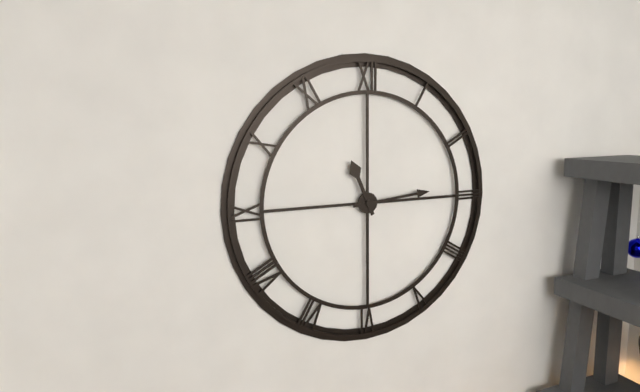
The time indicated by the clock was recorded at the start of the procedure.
11:14
